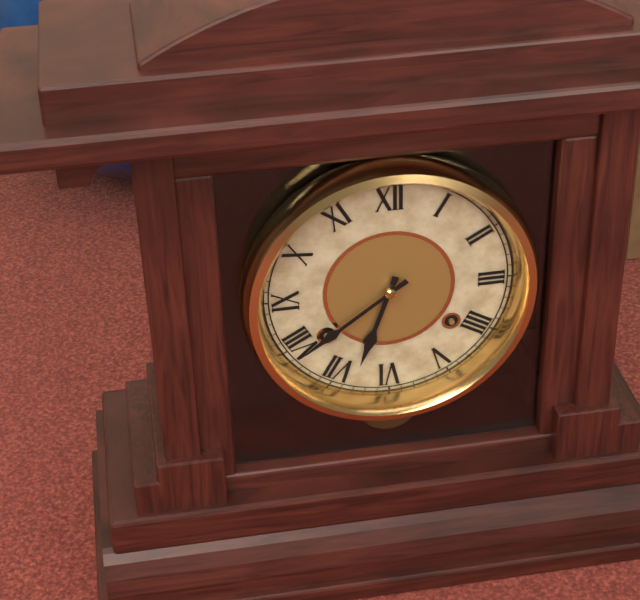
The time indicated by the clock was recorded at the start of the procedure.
6:39
